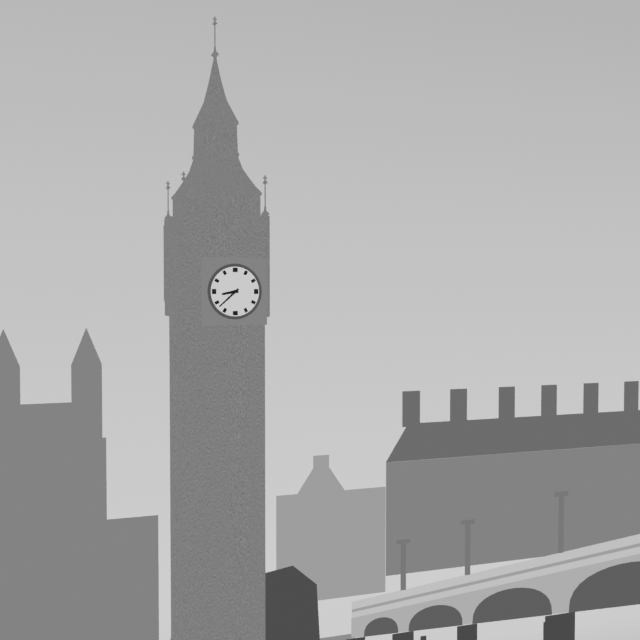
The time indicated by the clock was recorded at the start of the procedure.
8:38
